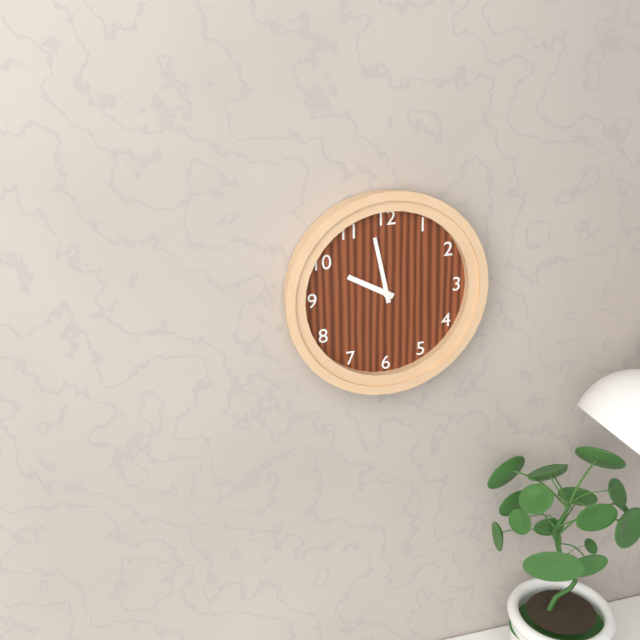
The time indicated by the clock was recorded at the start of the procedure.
9:58
